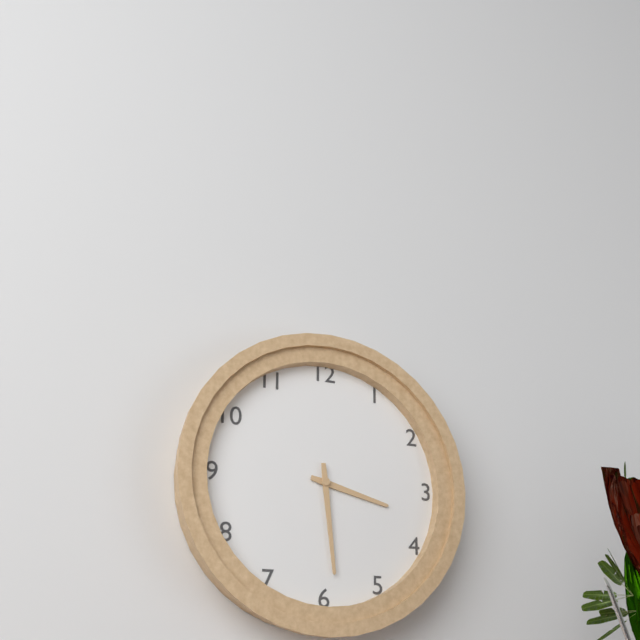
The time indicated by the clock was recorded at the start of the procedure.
3:29
